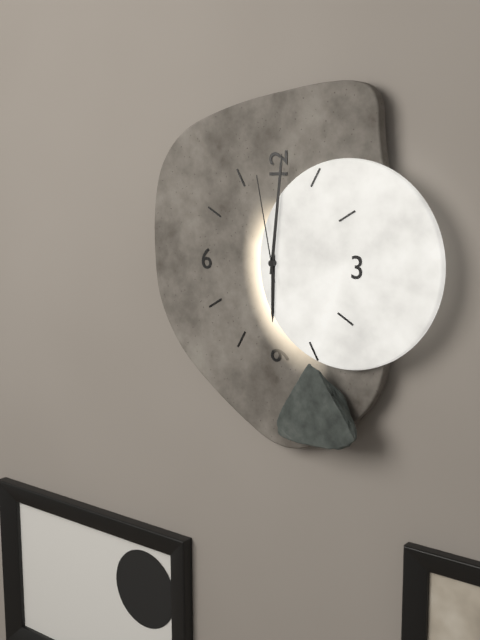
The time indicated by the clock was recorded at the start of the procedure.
6:01:58
